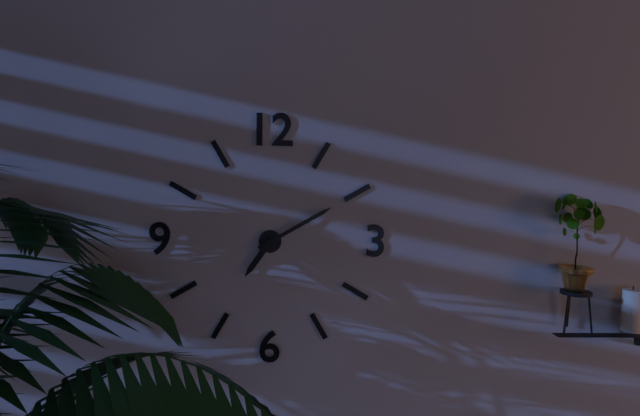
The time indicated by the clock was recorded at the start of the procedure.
7:10
